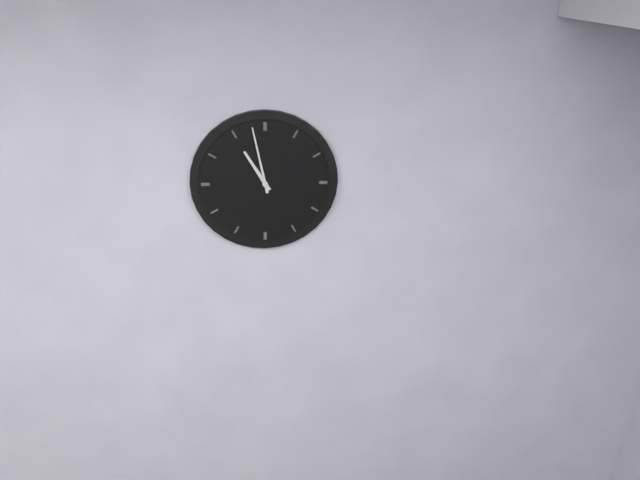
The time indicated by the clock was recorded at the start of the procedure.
10:58
